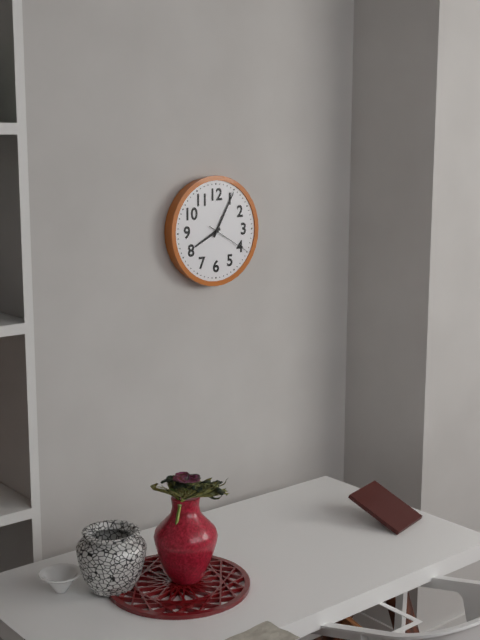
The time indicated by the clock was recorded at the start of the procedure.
8:05
